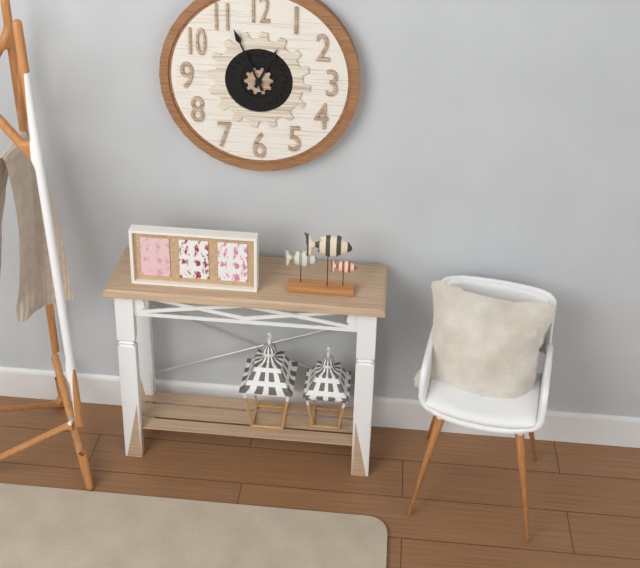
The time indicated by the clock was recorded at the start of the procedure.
12:56
